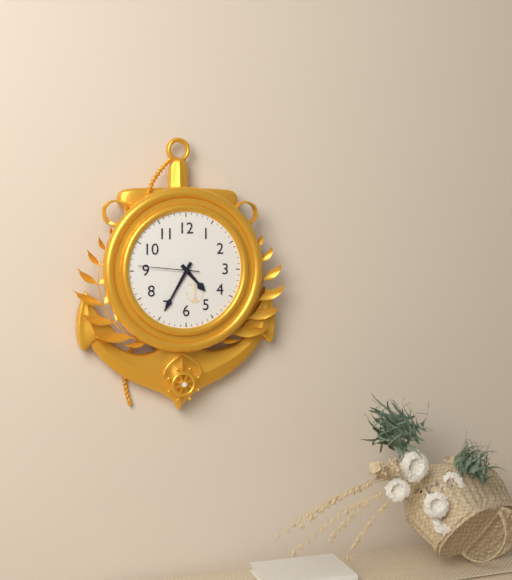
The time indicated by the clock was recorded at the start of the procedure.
4:35:46
